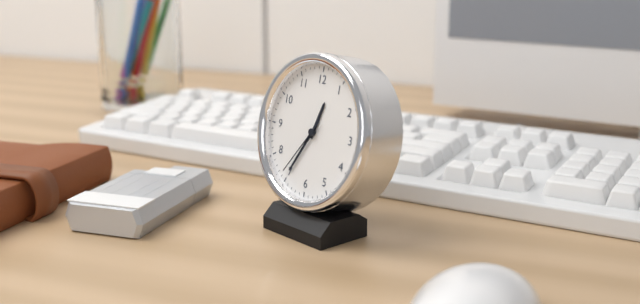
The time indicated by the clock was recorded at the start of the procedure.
12:35:36
